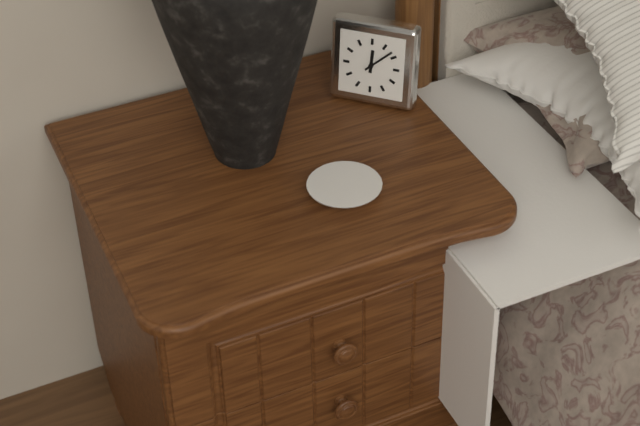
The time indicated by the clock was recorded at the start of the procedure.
12:08
